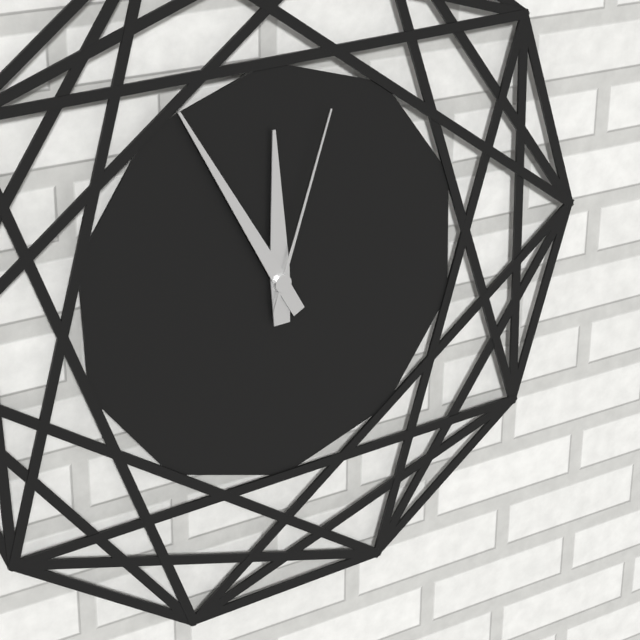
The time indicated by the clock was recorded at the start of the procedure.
11:55:03
